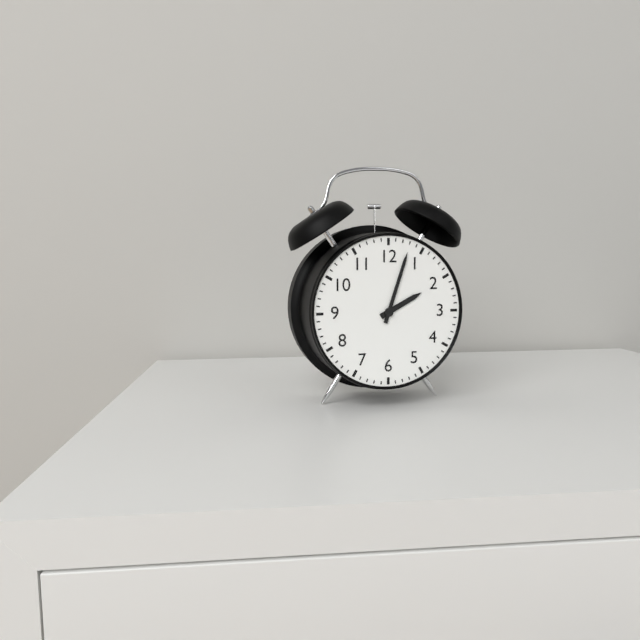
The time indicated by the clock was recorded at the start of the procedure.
2:03
